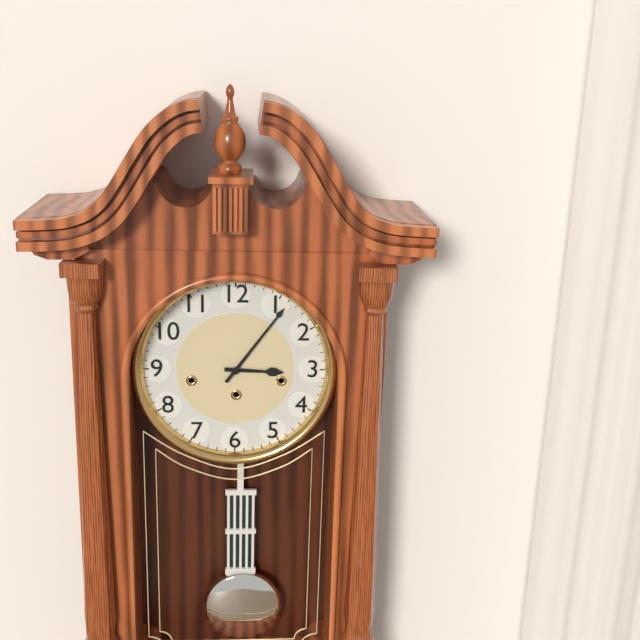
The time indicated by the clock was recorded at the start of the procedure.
3:06
